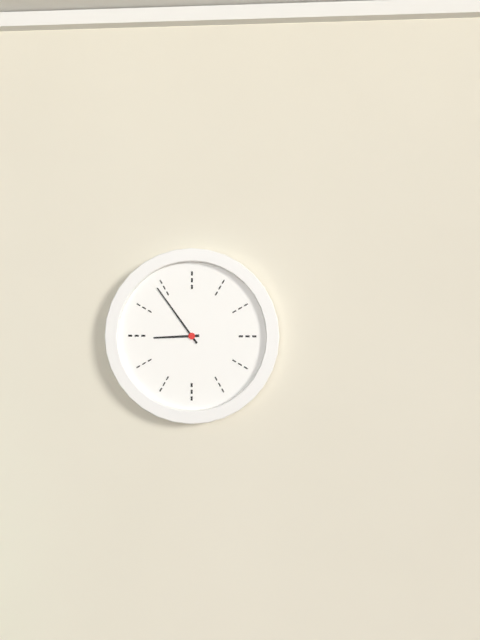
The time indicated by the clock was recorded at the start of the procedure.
8:54
